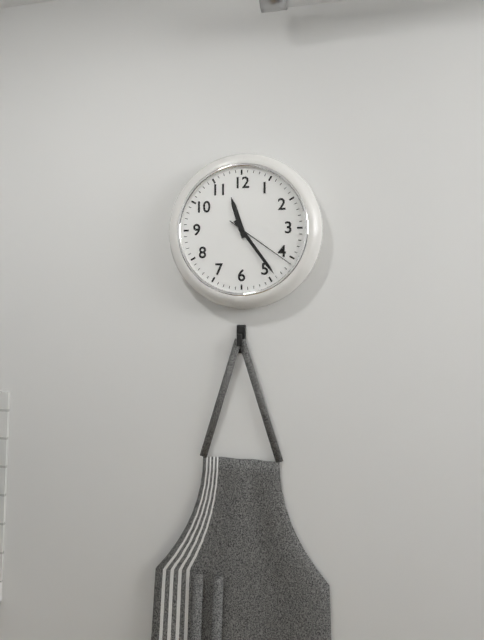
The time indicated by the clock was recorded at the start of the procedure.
11:24:21
